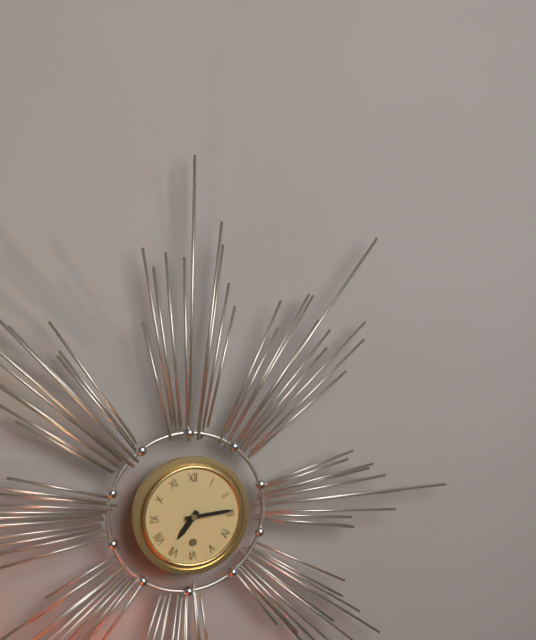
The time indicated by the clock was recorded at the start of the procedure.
7:14
